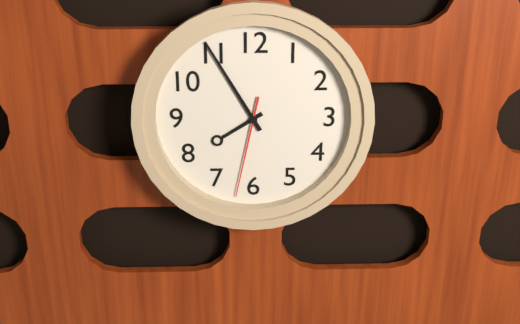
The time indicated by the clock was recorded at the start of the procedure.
7:55:32
